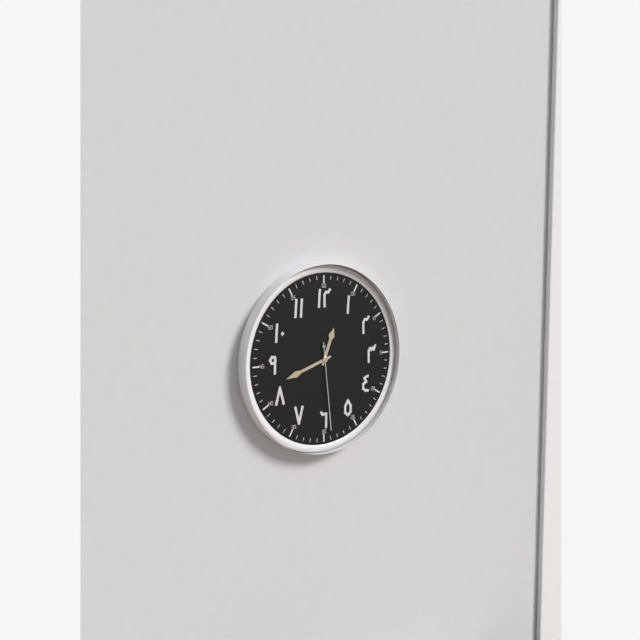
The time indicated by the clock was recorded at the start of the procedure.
12:42:29
